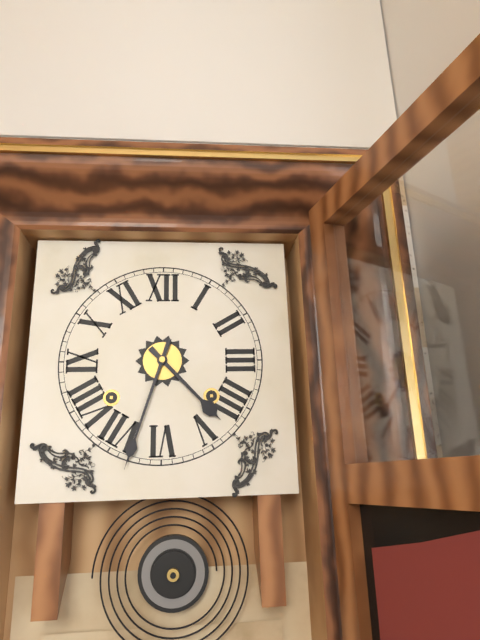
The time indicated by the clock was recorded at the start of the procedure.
4:33
